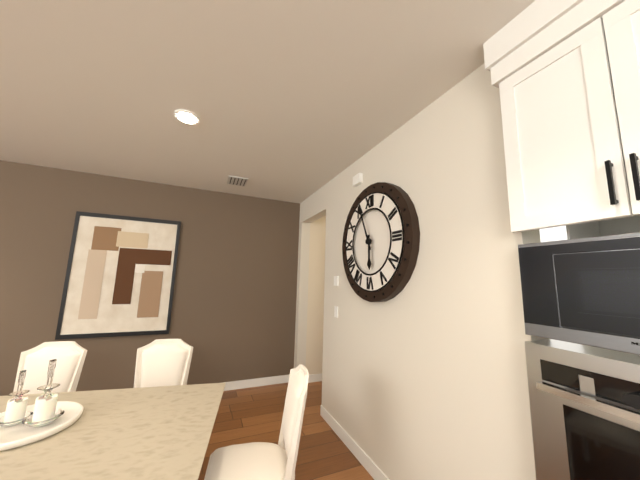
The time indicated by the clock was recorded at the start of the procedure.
5:56
